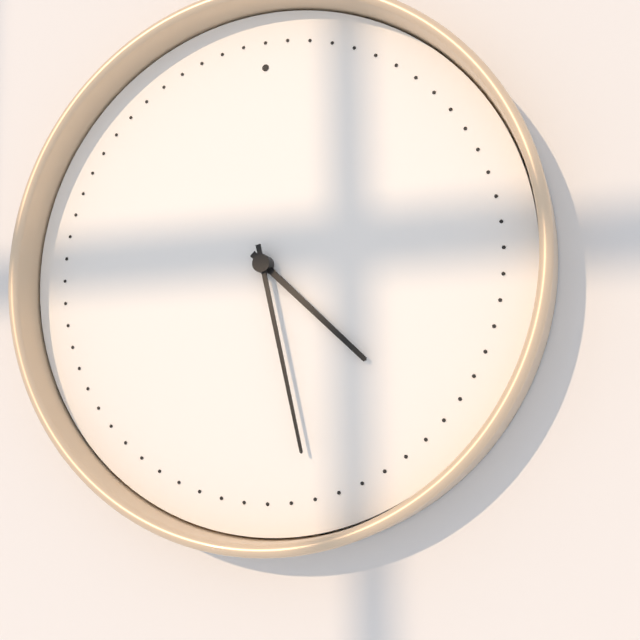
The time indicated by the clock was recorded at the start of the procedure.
4:28
